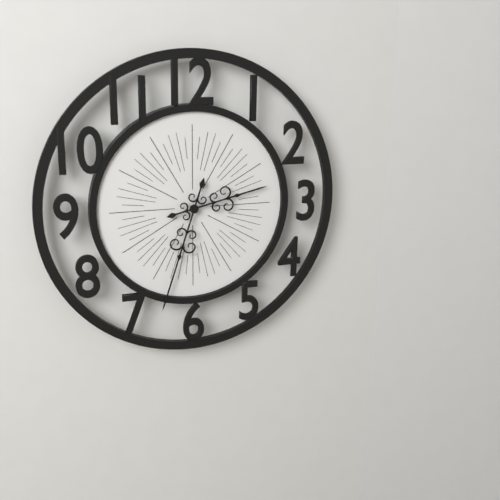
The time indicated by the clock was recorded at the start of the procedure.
2:33
